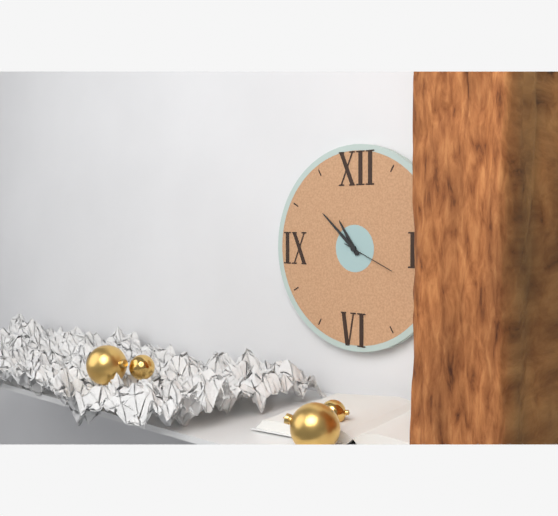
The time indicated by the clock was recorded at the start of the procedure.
10:52:19
